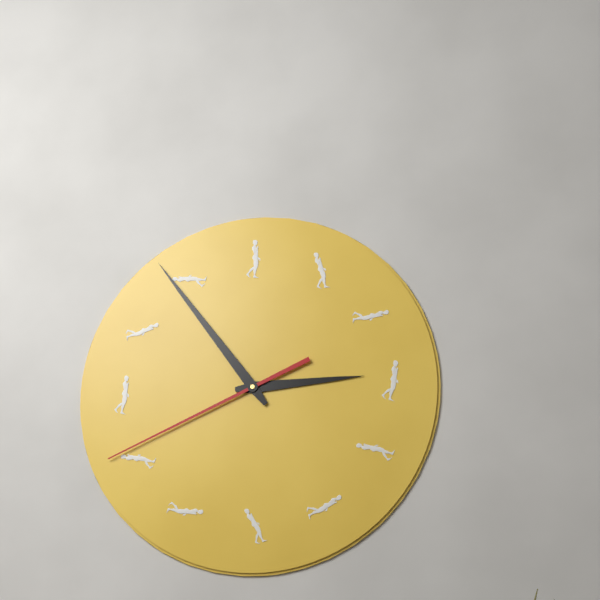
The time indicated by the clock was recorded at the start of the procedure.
2:54:41
